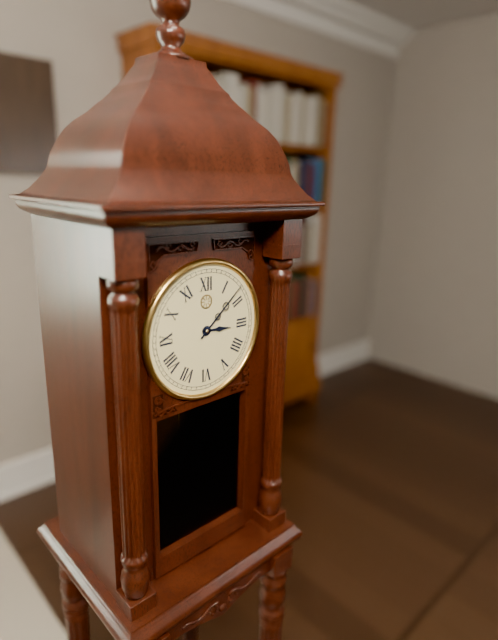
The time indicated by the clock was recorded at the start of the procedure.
3:08
